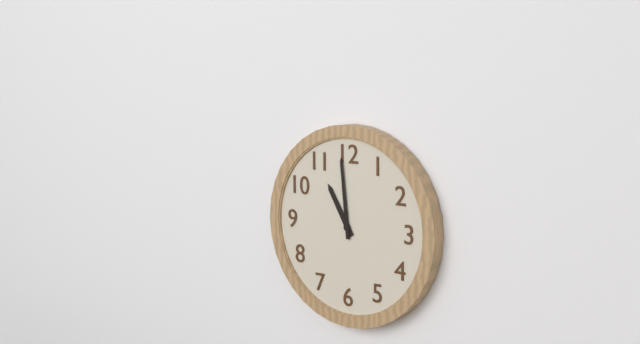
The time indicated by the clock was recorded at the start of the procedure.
10:59
